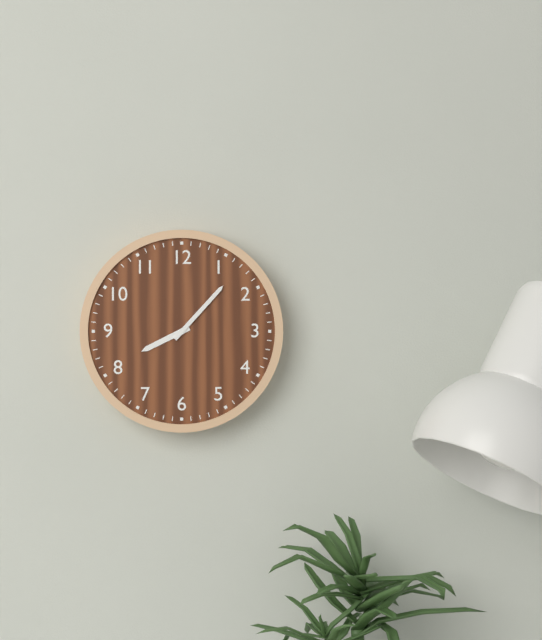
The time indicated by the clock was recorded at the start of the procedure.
8:07
